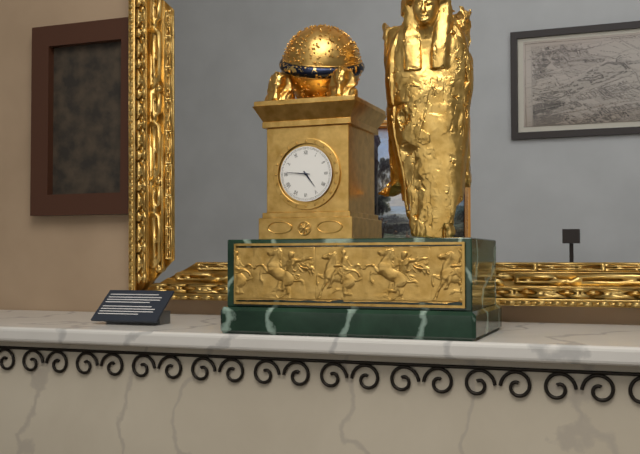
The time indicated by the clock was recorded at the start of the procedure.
4:46
